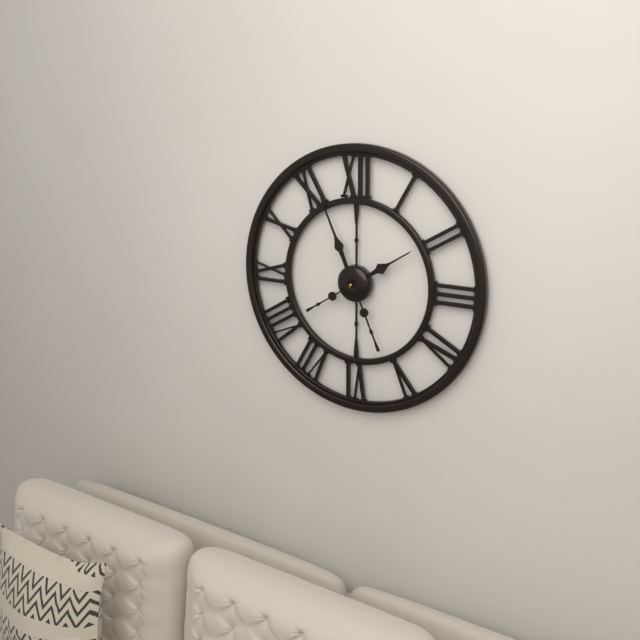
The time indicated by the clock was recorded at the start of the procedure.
1:56
